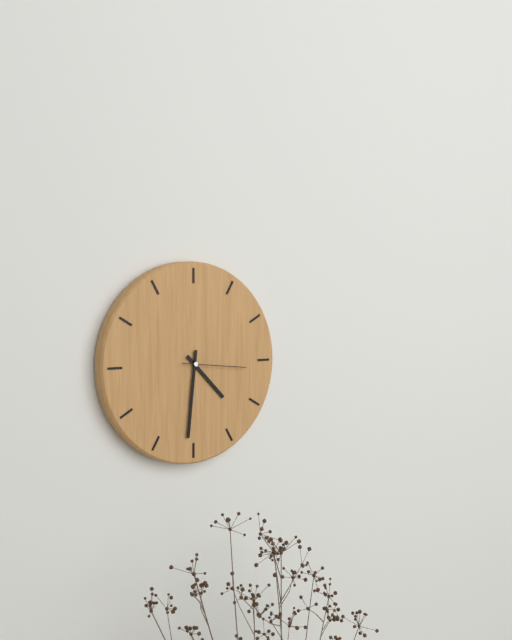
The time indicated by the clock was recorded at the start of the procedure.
4:31:16
